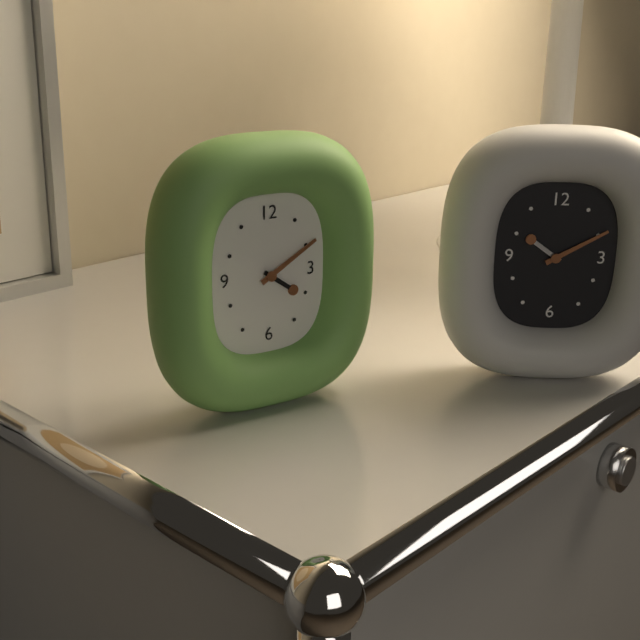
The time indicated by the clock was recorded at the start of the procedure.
4:10
